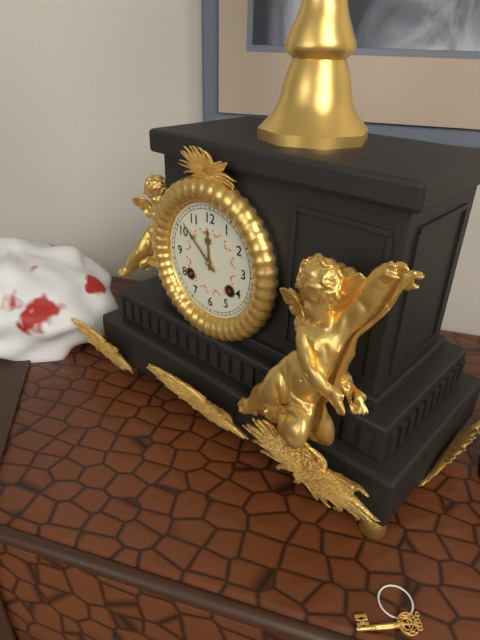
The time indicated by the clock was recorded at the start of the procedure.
11:52
